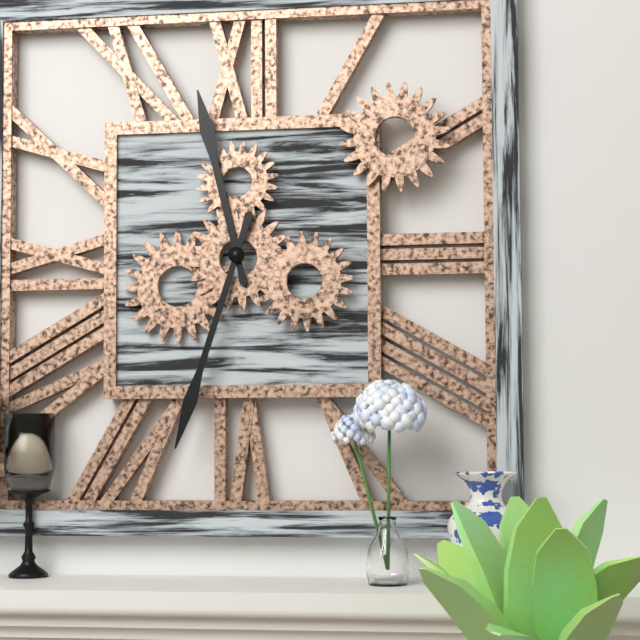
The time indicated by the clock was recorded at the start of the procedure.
11:33
